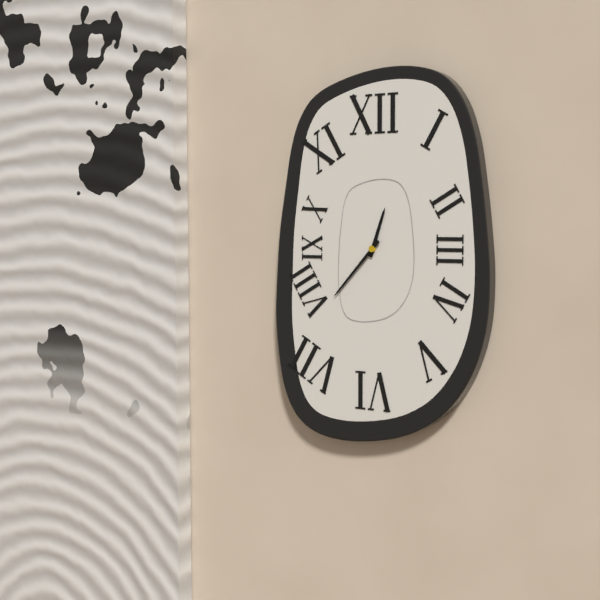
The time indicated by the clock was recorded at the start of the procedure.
12:37
